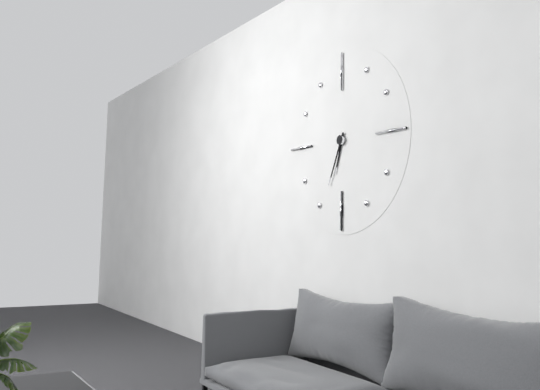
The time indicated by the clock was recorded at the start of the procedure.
6:34
